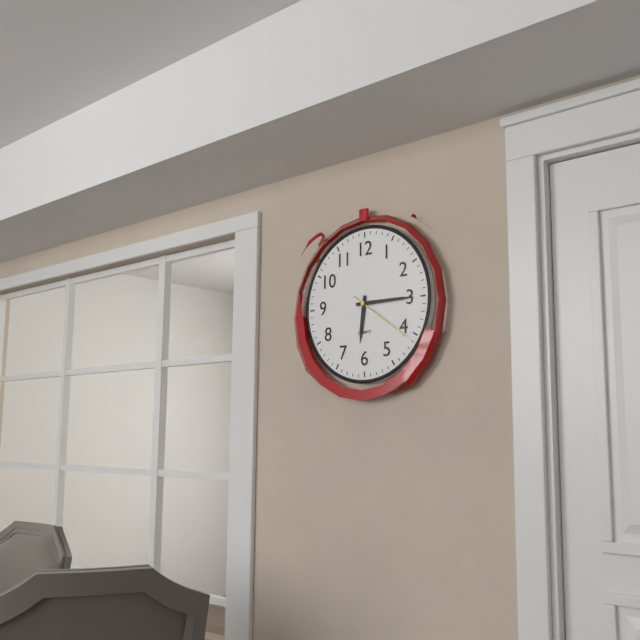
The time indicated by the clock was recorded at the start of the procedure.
6:15:21
